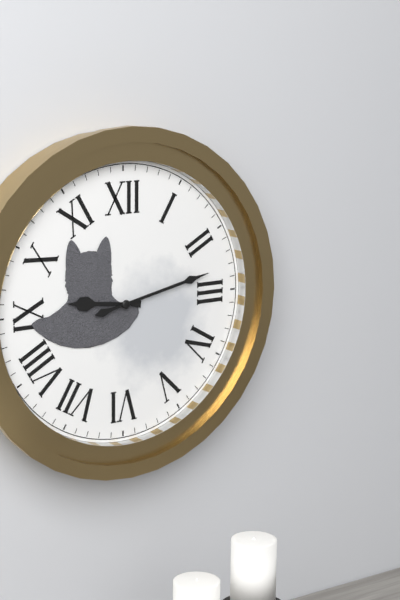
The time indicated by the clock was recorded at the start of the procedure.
9:13
